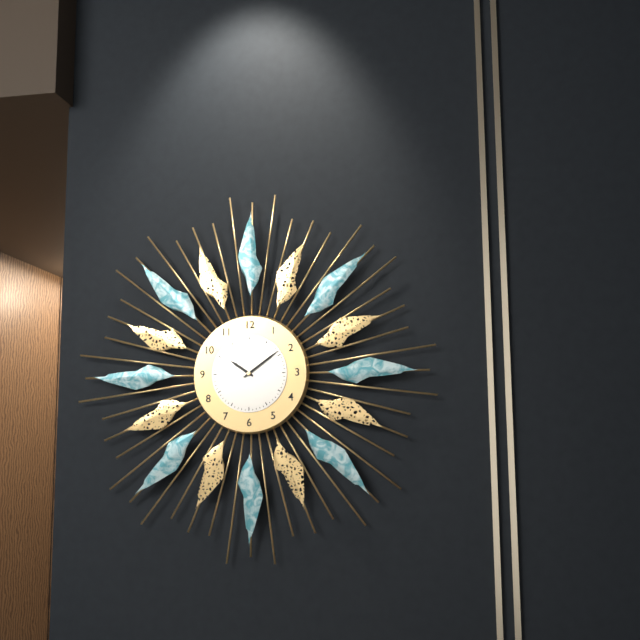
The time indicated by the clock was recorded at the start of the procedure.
10:09
